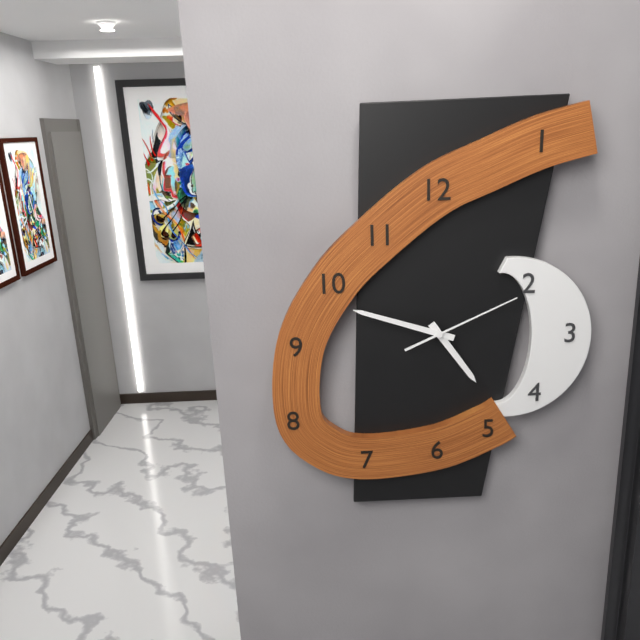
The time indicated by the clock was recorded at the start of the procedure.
4:48:11
